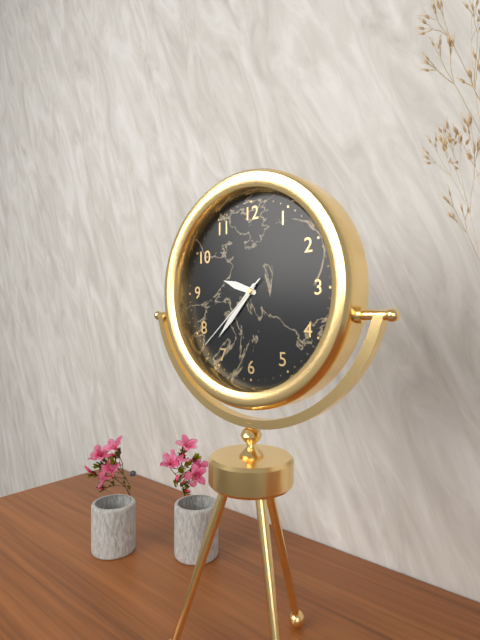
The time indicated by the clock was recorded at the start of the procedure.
9:37:38
